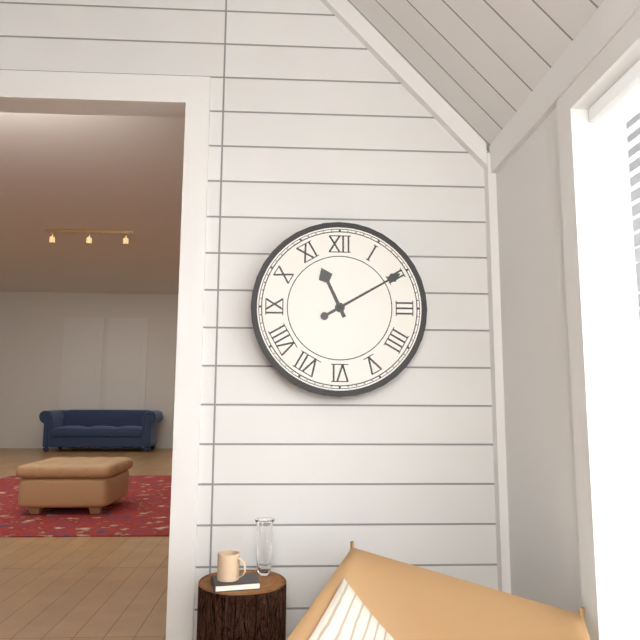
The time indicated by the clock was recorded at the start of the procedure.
11:10
